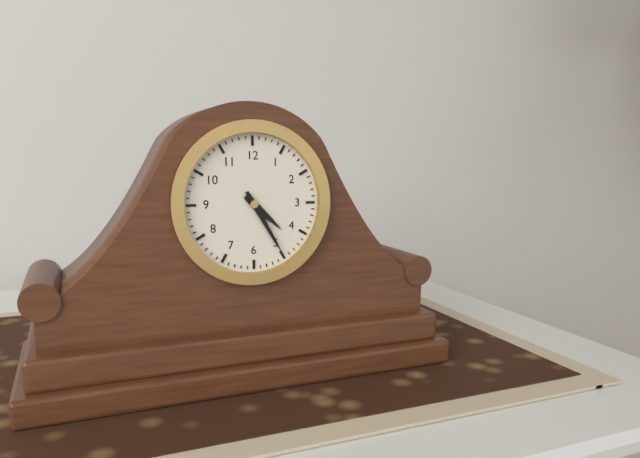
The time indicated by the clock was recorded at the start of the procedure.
4:25
